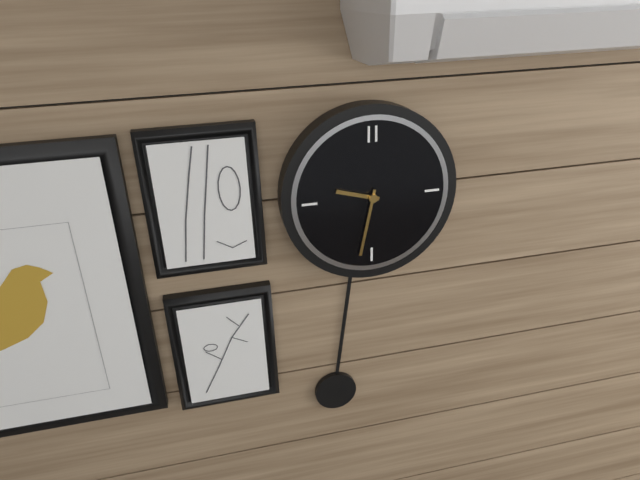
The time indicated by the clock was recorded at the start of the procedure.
9:32
